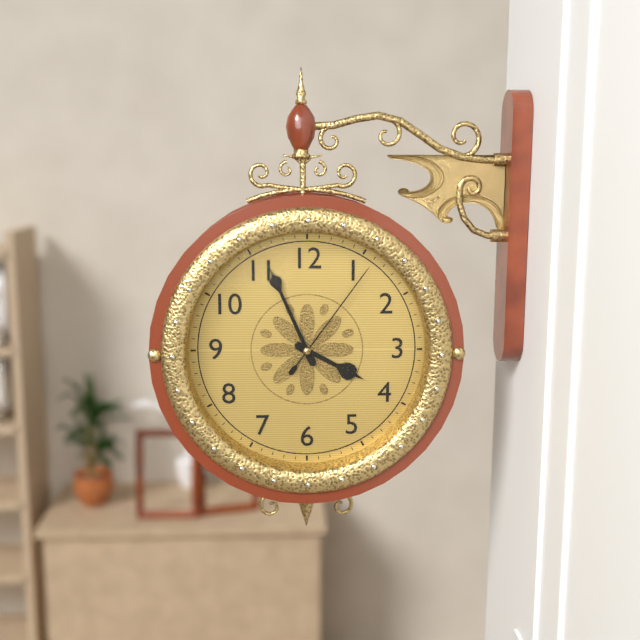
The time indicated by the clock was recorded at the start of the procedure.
3:56:06
